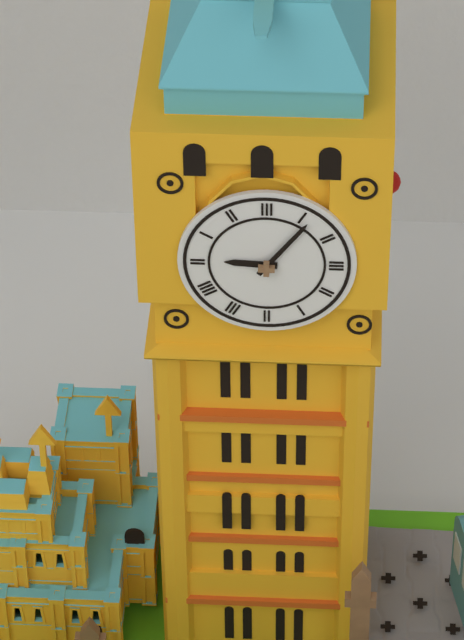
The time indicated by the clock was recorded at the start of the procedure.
9:06
